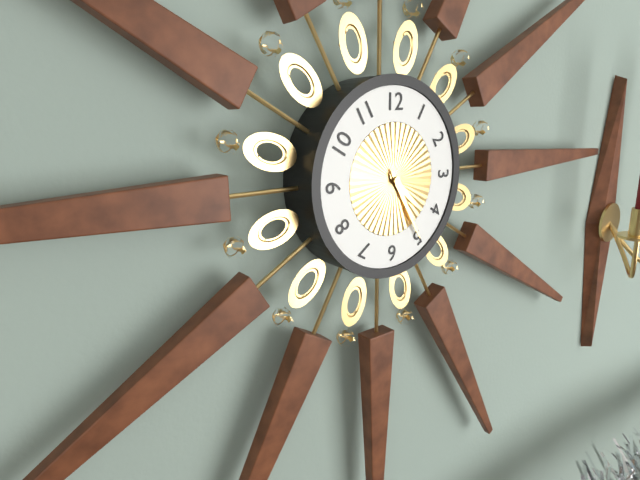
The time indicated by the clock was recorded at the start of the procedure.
4:25
